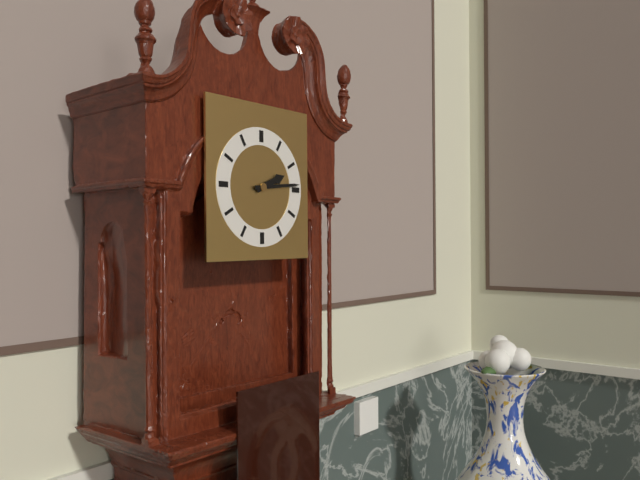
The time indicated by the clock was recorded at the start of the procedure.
2:14
